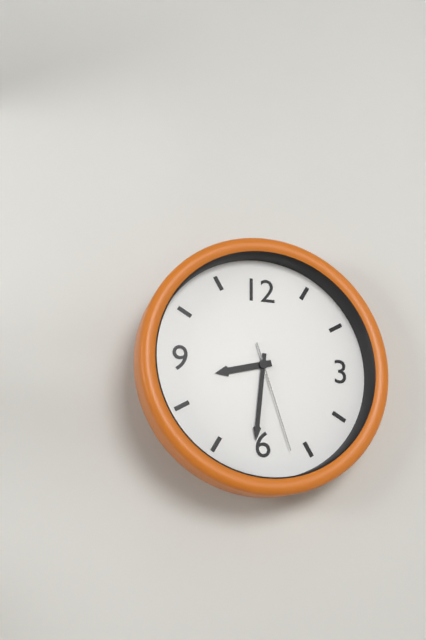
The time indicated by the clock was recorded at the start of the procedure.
8:31:27
